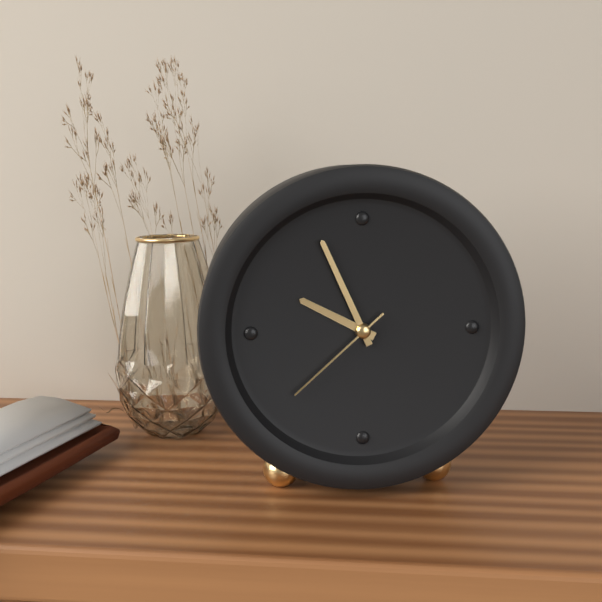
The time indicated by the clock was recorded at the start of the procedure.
9:56:38
